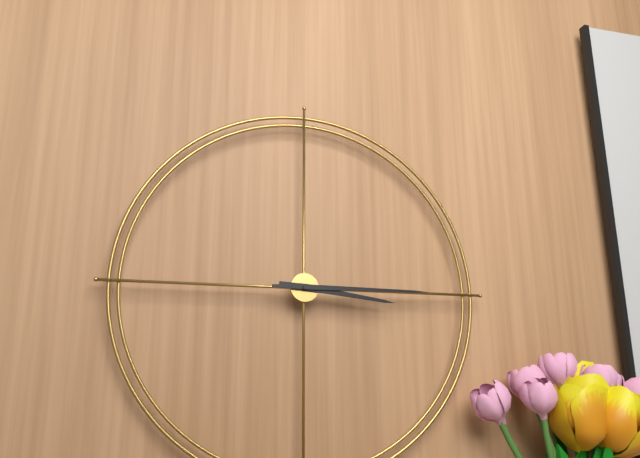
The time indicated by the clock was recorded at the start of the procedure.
3:15
